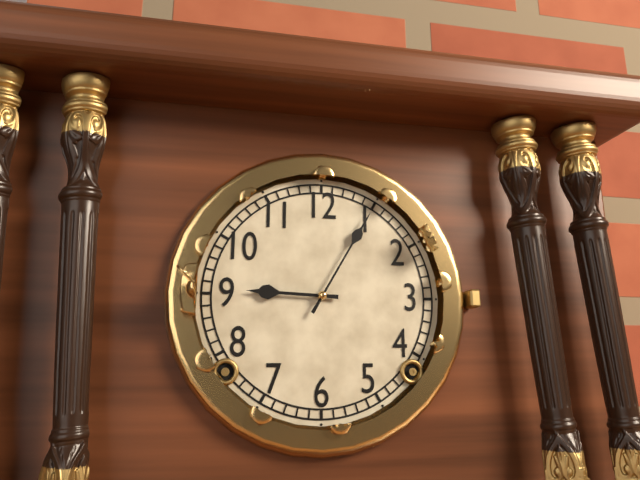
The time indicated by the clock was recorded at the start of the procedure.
9:05
